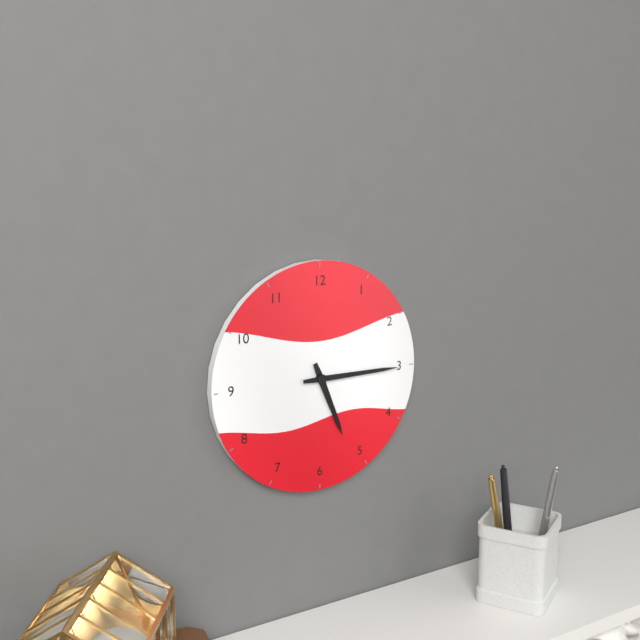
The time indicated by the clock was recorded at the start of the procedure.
5:15
